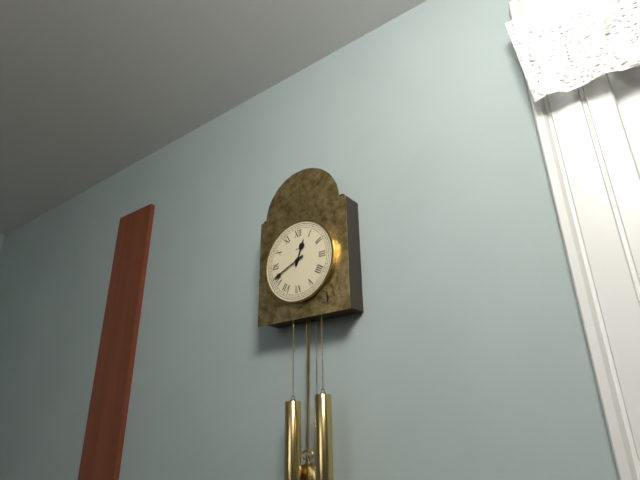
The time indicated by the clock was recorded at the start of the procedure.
12:41
